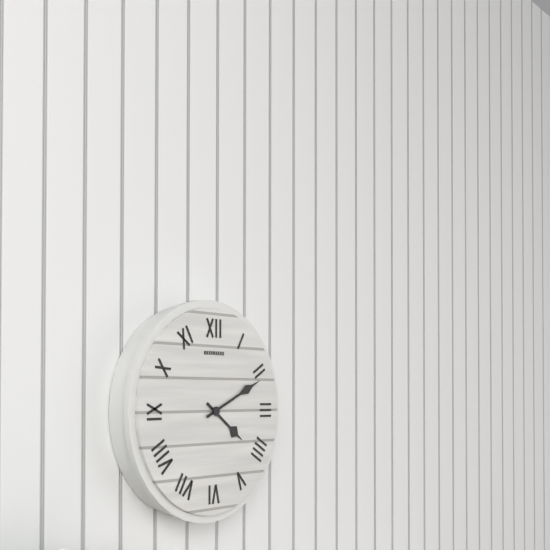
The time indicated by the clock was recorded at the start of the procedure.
4:11
